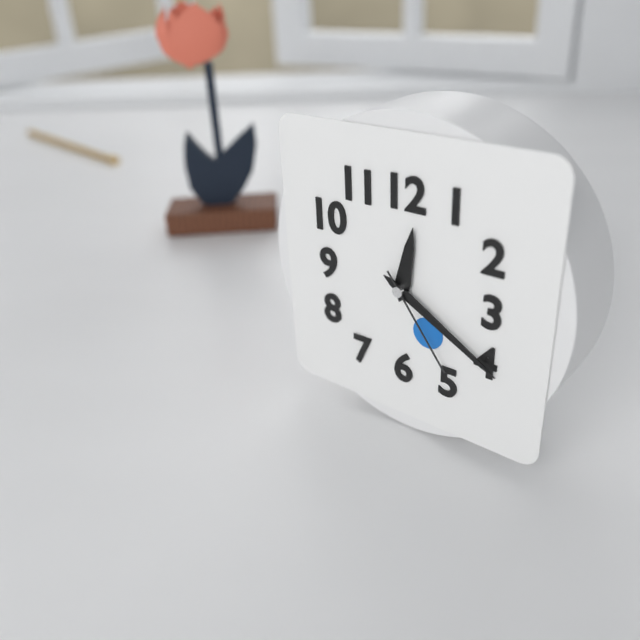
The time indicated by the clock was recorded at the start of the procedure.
12:20:24
